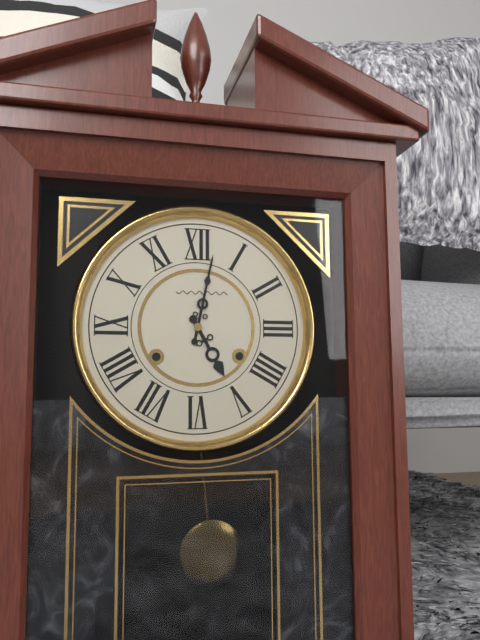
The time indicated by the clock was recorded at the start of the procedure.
5:02
